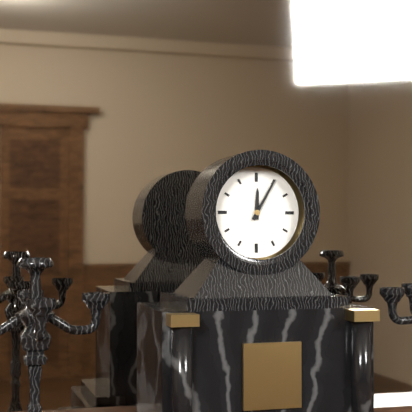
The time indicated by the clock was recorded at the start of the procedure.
12:05
